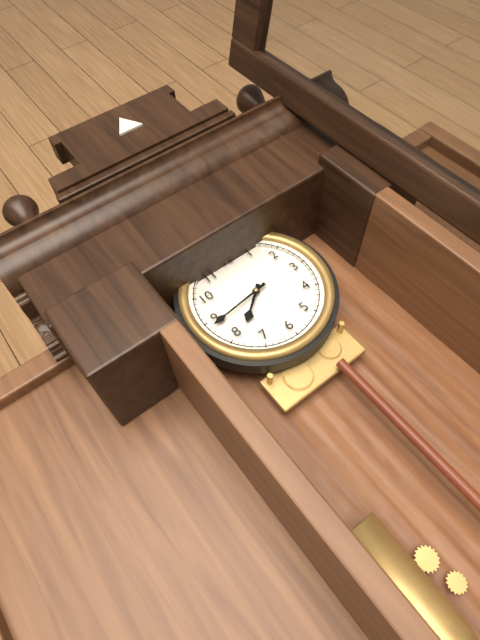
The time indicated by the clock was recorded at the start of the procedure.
7:44
